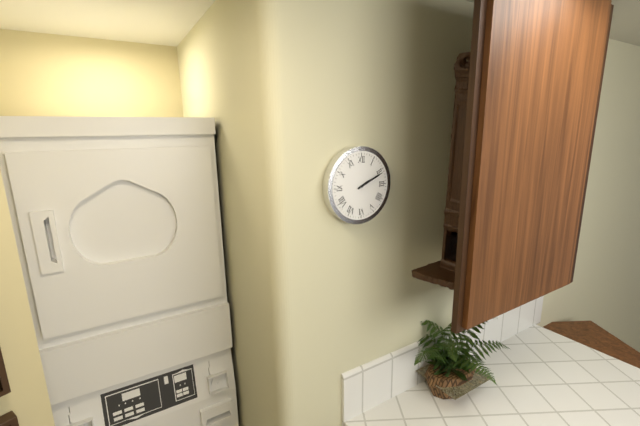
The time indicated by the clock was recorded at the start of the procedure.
2:11
